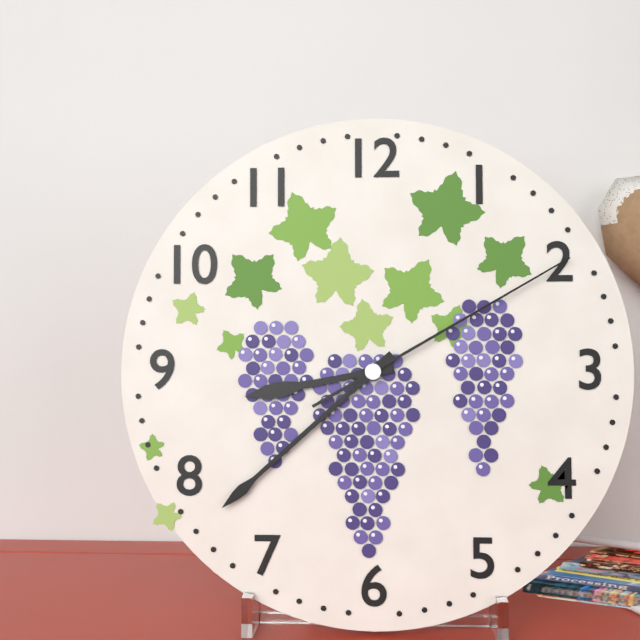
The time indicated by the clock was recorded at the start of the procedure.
8:38:10
